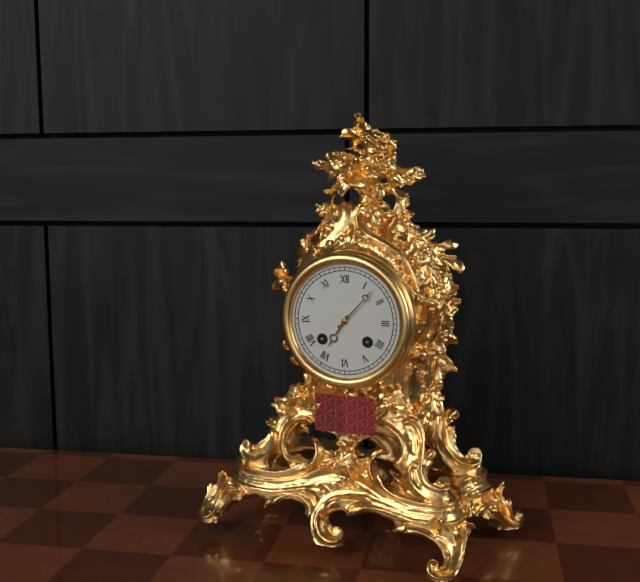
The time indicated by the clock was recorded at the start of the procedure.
7:07
